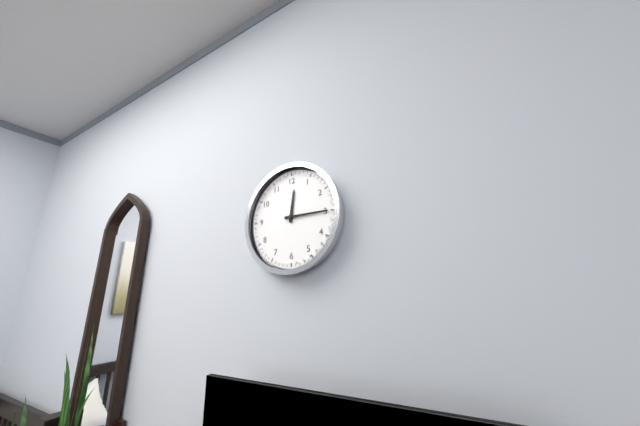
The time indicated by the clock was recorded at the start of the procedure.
12:15
